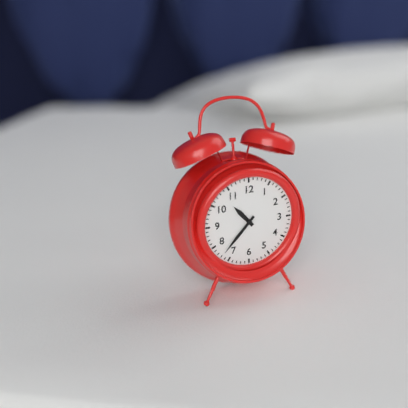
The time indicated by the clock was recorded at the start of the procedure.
10:37
